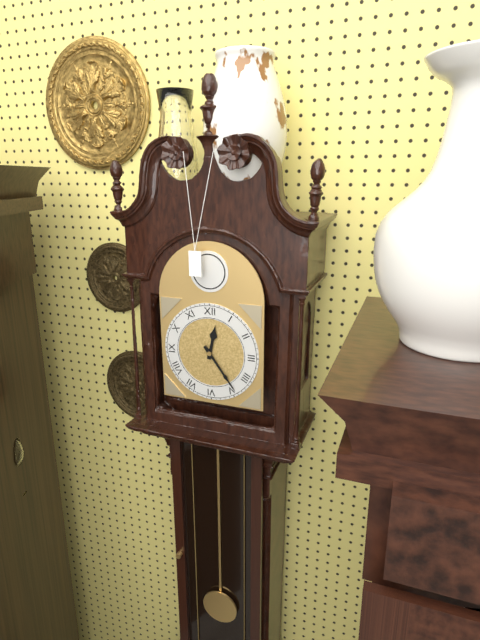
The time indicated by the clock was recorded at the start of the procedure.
12:24
